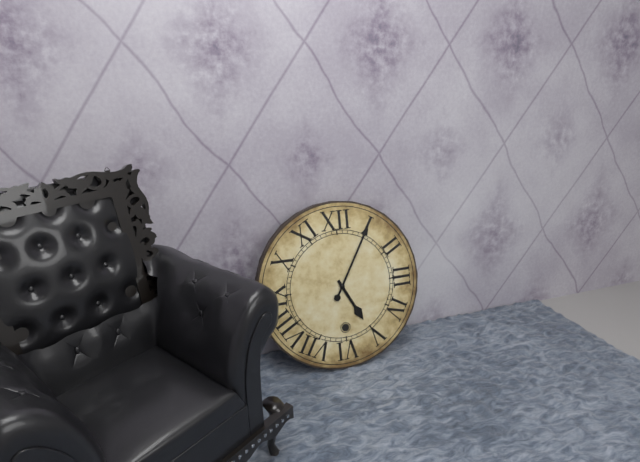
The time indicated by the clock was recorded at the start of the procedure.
5:05
